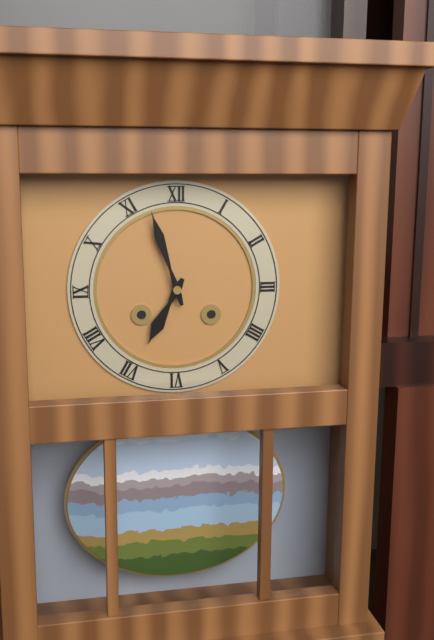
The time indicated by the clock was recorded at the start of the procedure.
6:57
